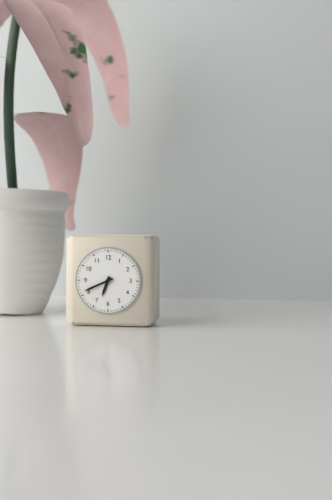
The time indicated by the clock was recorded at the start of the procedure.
6:41
